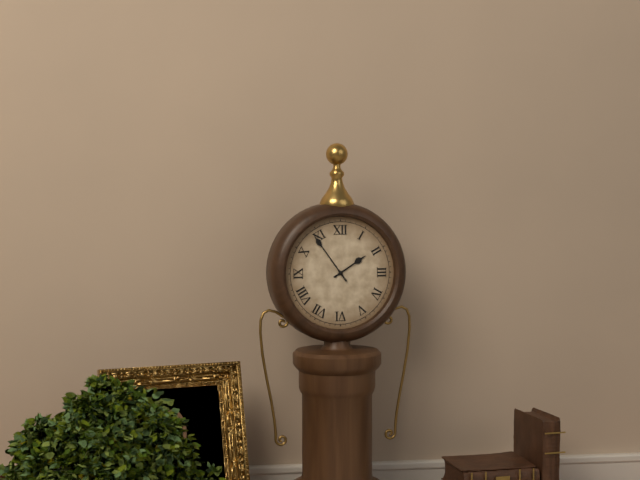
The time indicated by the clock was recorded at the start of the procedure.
1:54
